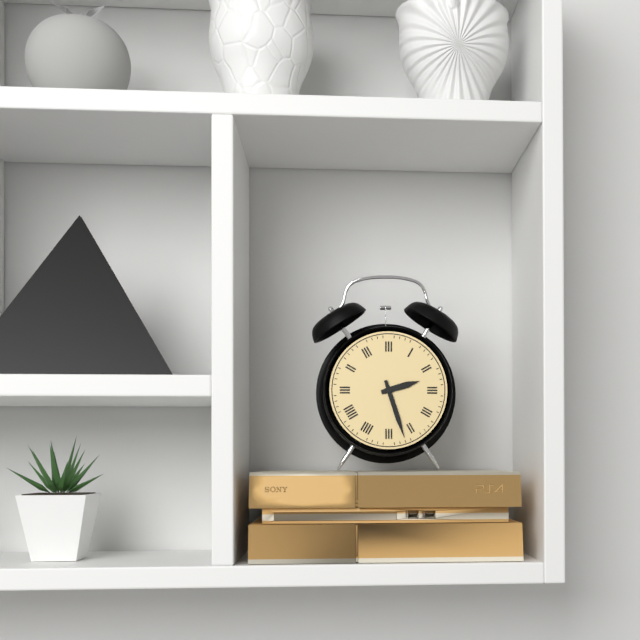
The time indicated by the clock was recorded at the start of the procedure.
2:27
